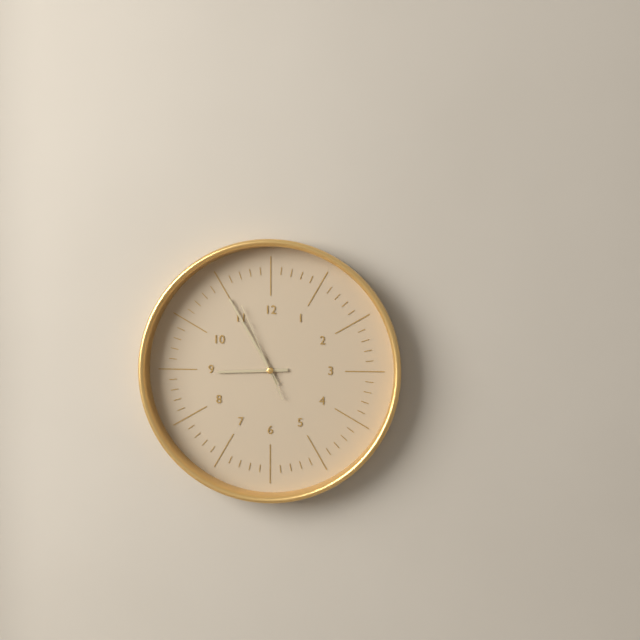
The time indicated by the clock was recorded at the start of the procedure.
8:55:56
